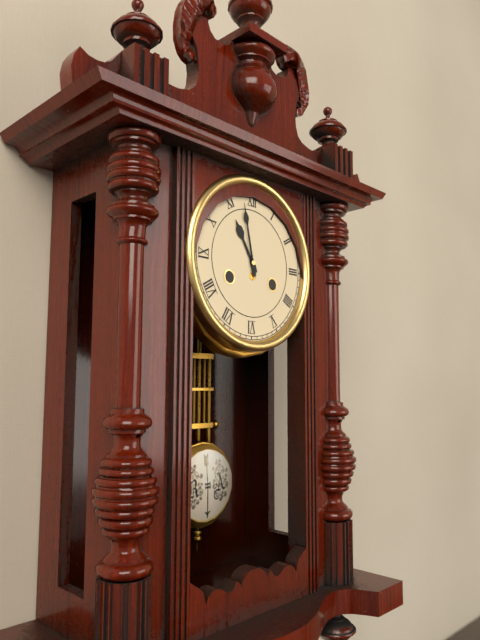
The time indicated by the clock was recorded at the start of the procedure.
10:58
